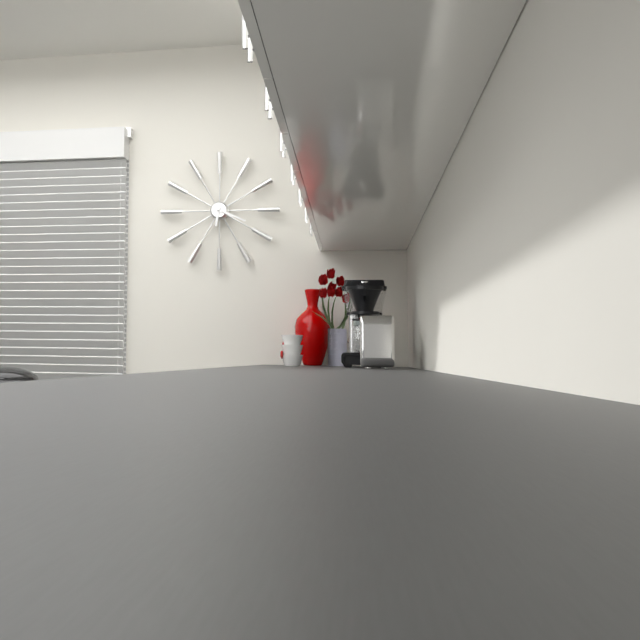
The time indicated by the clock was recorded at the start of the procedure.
6:19
